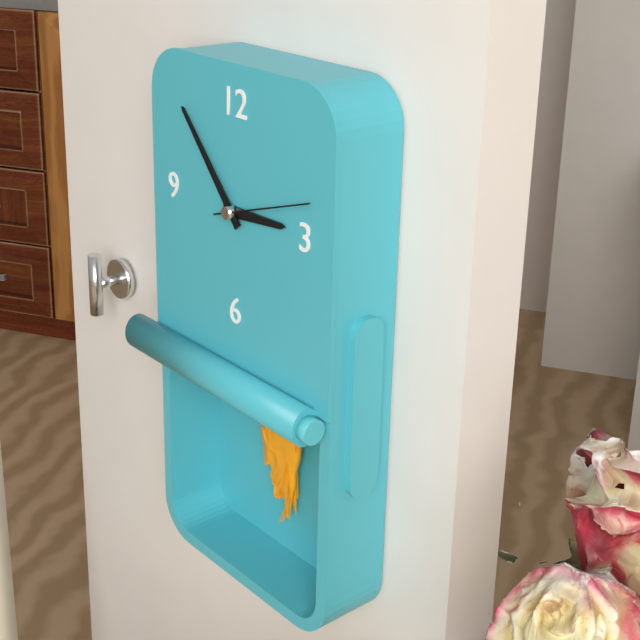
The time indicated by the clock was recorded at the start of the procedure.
2:53:12
